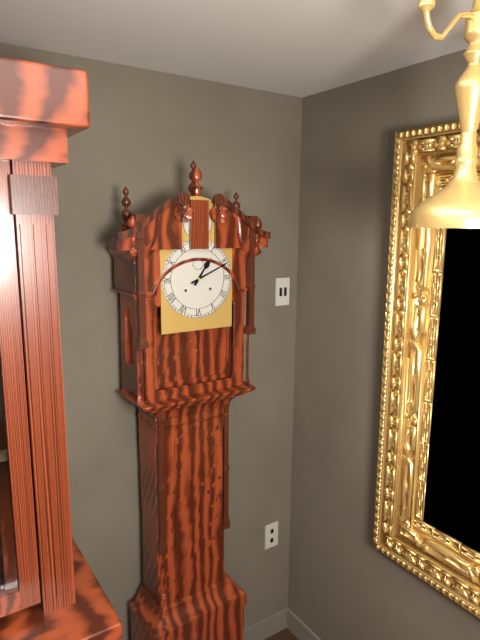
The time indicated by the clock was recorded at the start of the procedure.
1:11
